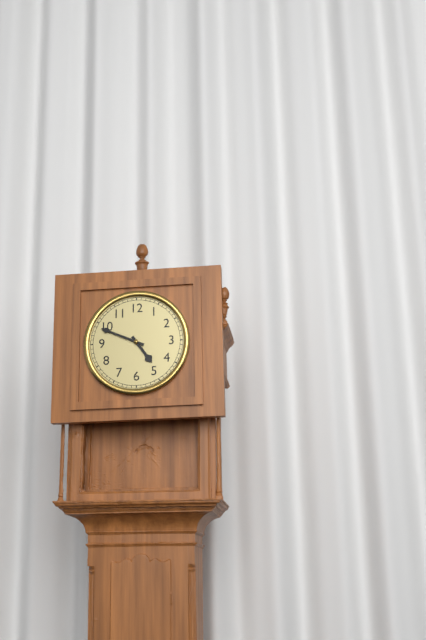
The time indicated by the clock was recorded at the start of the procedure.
4:49
